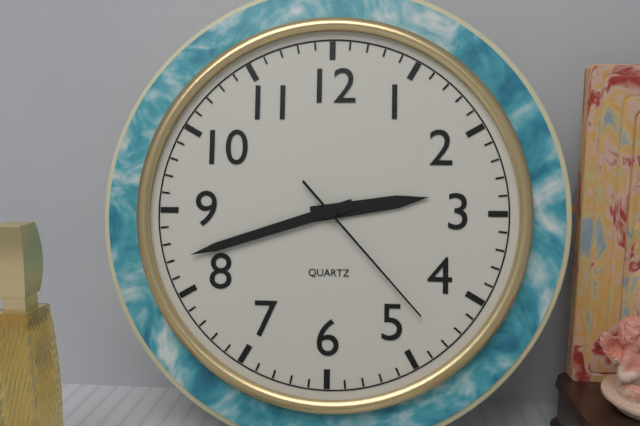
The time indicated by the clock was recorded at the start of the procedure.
2:42:23
